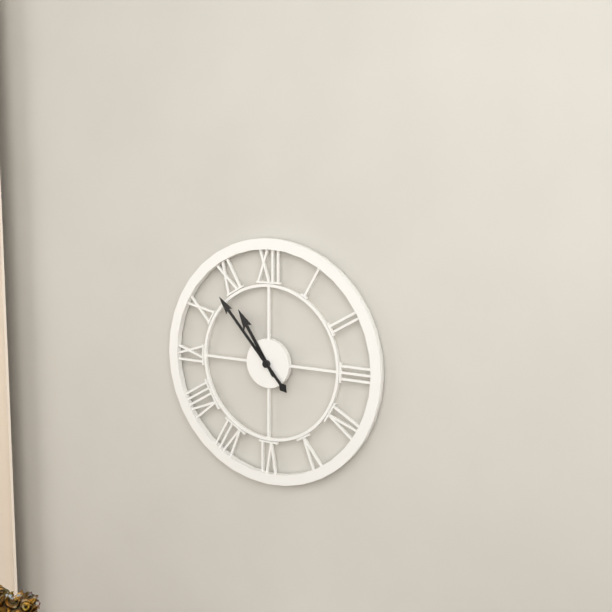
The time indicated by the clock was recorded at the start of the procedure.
10:53
